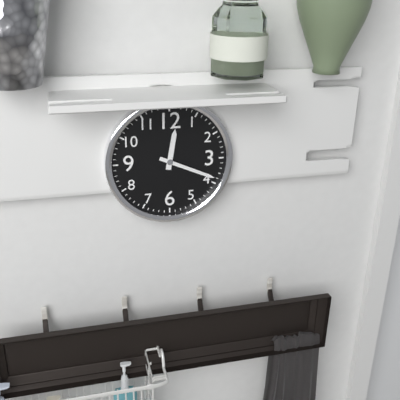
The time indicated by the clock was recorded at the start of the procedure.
12:19
